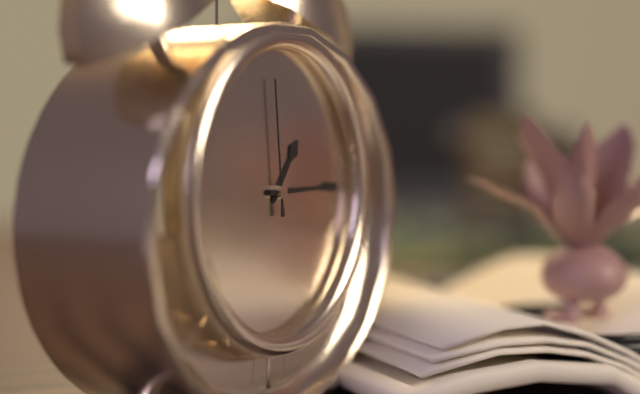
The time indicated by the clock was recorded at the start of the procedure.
1:15:59
